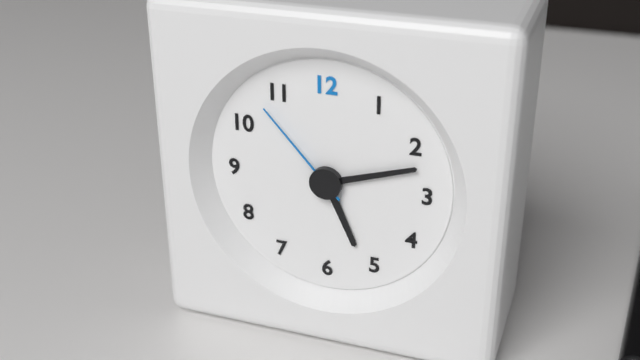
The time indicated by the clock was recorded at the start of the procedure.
5:12:53
